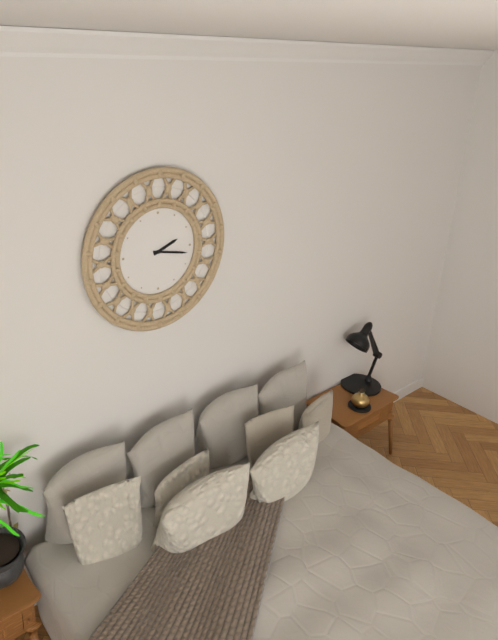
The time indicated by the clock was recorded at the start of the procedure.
2:17
